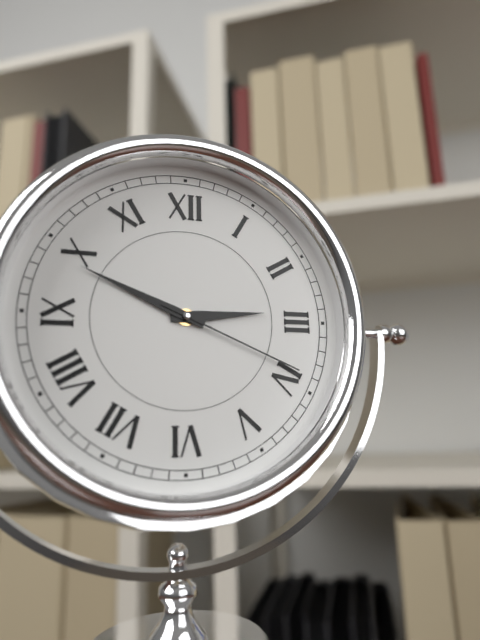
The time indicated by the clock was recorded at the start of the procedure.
2:49:19
